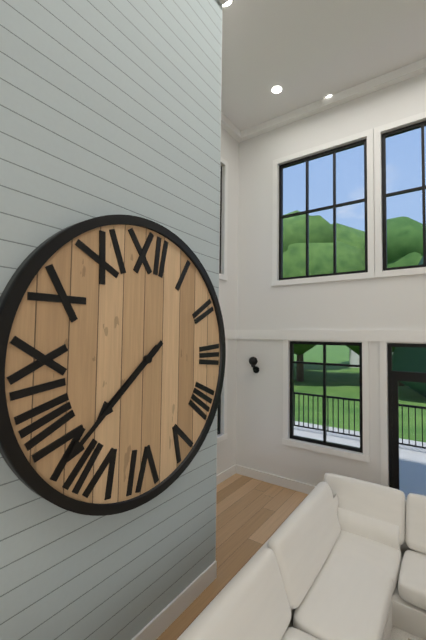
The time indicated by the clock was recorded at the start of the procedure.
7:38
